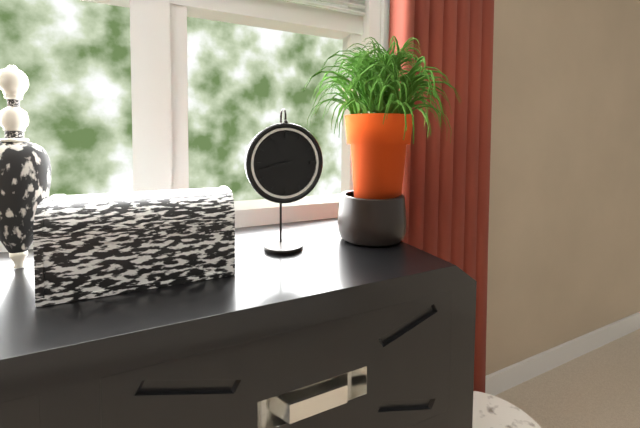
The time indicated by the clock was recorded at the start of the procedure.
8:43
